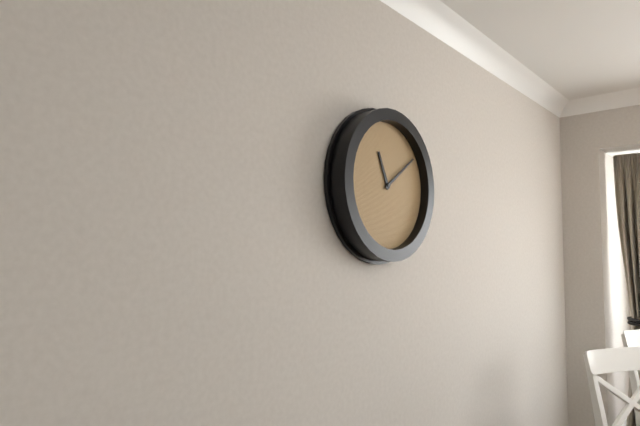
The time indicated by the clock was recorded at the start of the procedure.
11:09
